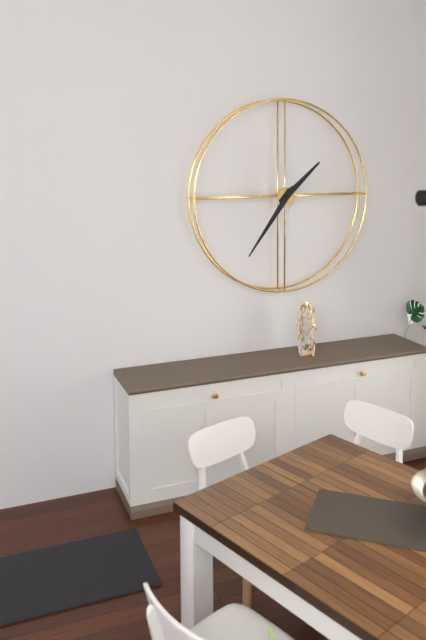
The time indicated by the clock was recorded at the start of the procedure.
1:36
